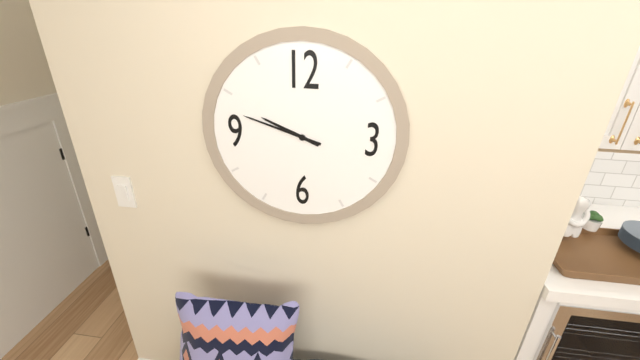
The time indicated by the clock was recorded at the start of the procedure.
9:48
